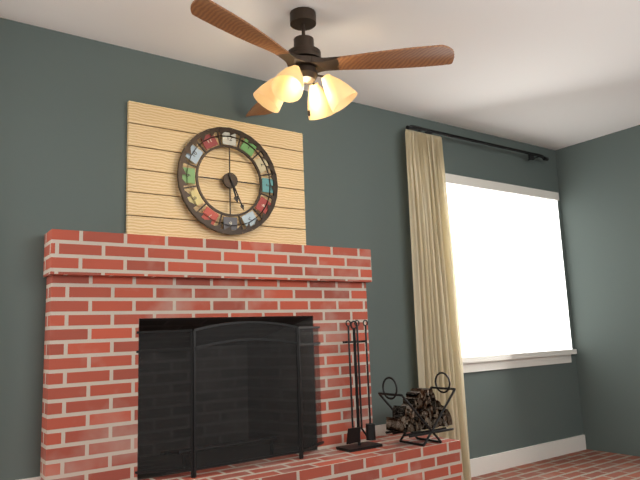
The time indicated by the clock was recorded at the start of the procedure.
5:26
